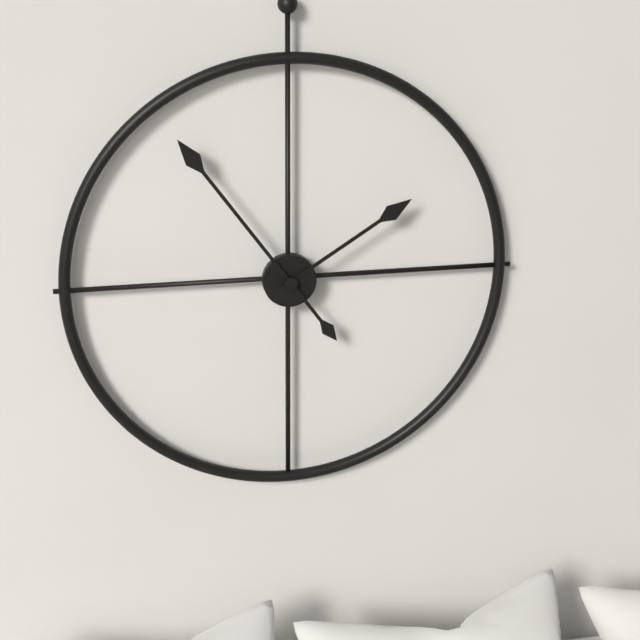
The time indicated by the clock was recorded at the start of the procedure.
1:54
